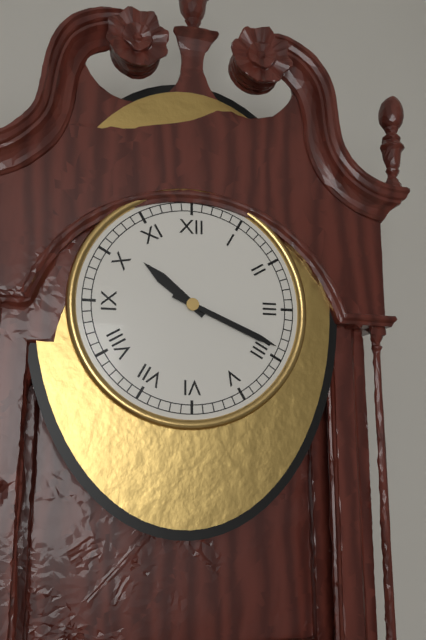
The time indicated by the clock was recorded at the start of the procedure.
10:19
